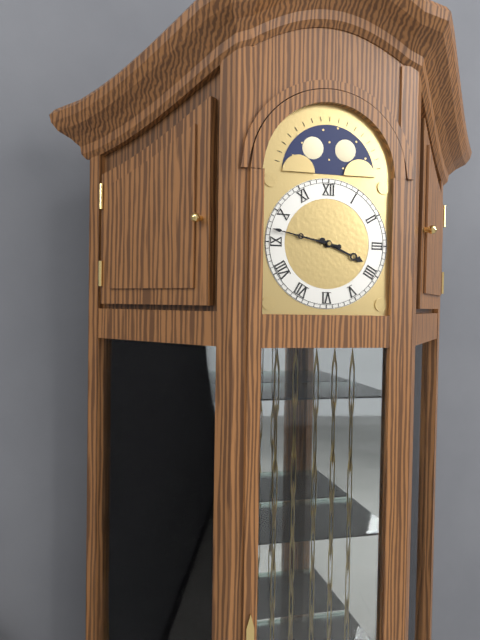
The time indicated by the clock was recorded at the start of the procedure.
3:47
